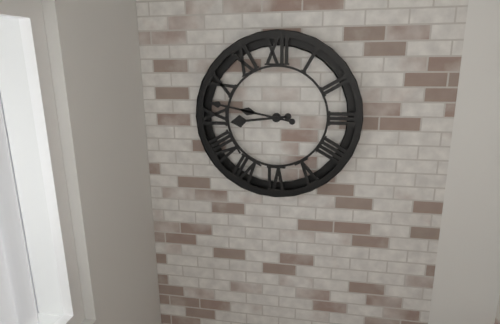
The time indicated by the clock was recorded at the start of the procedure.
8:47
